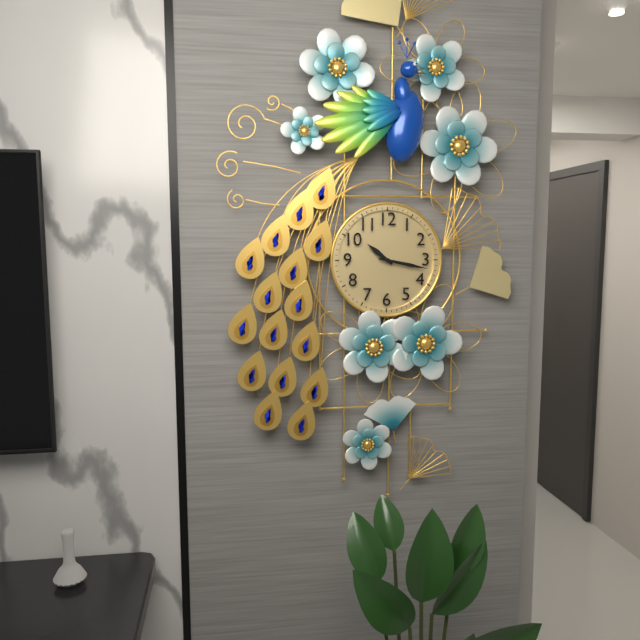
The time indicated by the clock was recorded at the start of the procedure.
10:17
